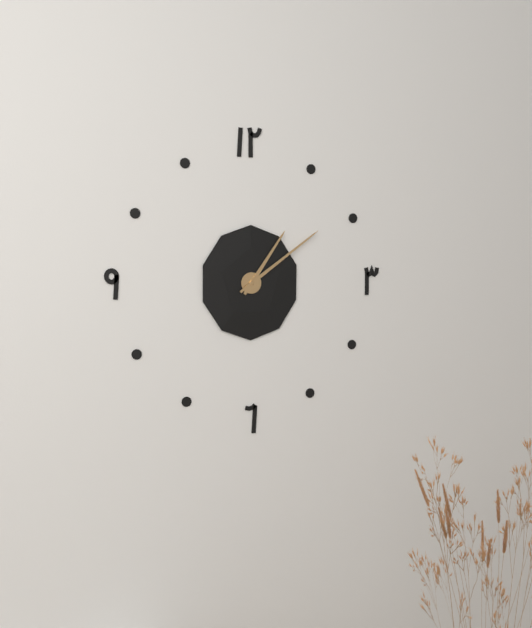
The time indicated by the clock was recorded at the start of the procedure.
1:09
